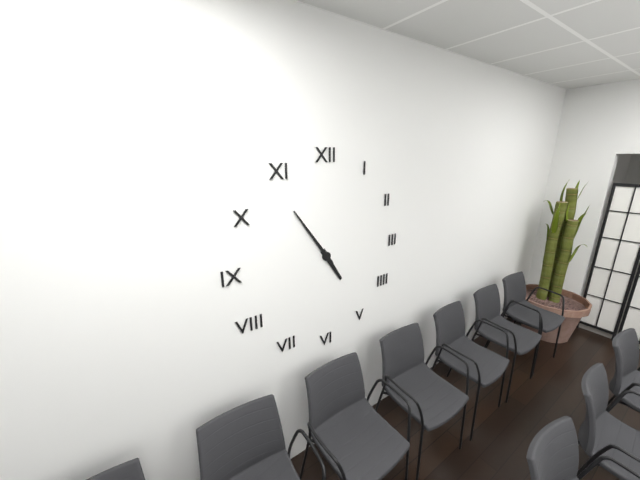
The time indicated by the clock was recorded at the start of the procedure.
4:54
